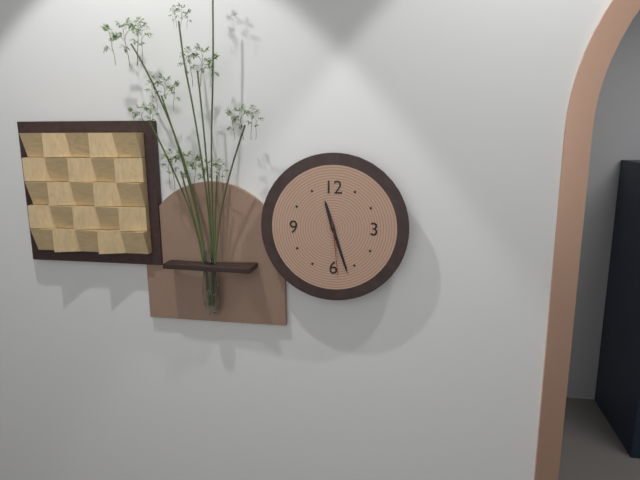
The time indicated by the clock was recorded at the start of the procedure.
11:27:29
